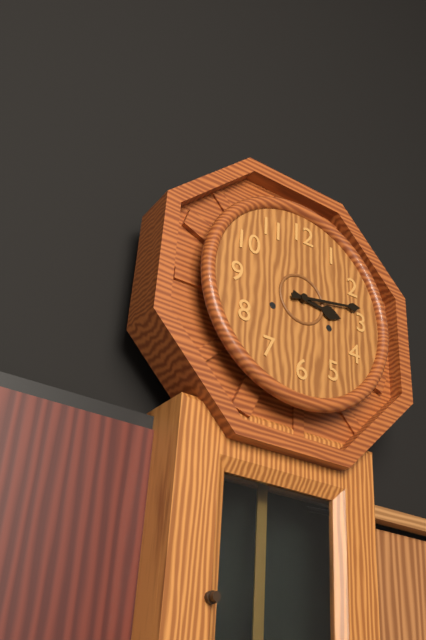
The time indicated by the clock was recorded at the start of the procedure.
3:13
